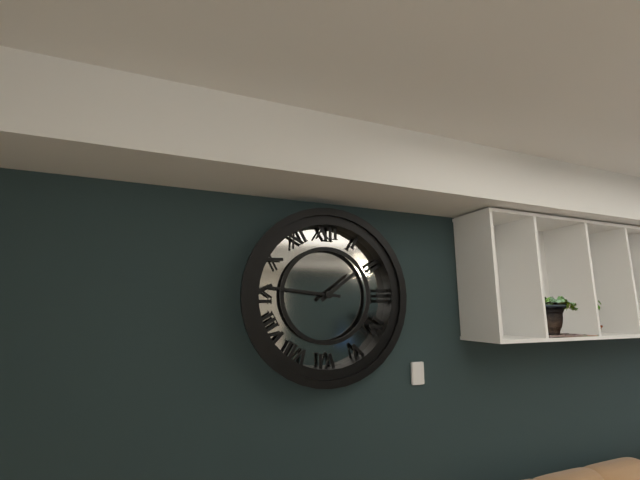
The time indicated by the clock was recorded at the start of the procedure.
1:46
